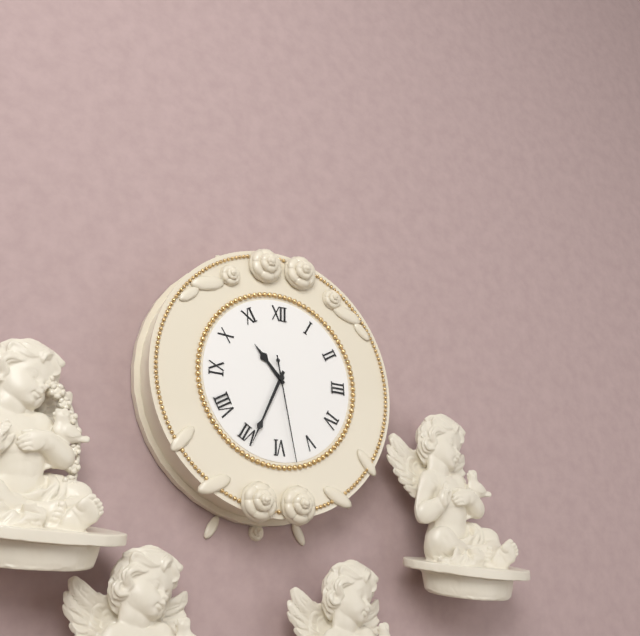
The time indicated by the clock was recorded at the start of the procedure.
10:34:28
